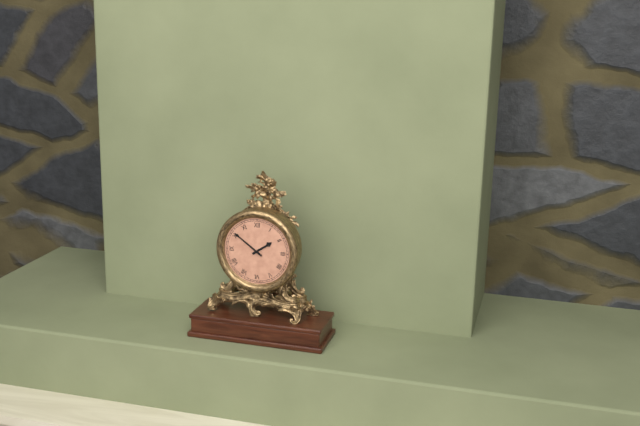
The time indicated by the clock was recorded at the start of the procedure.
1:51
